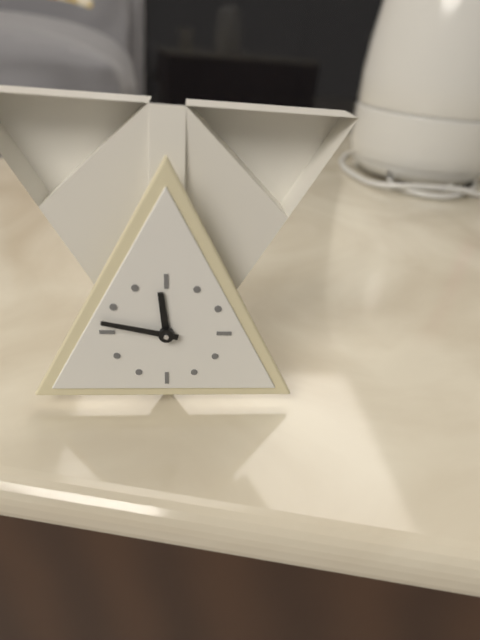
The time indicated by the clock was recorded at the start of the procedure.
11:47
